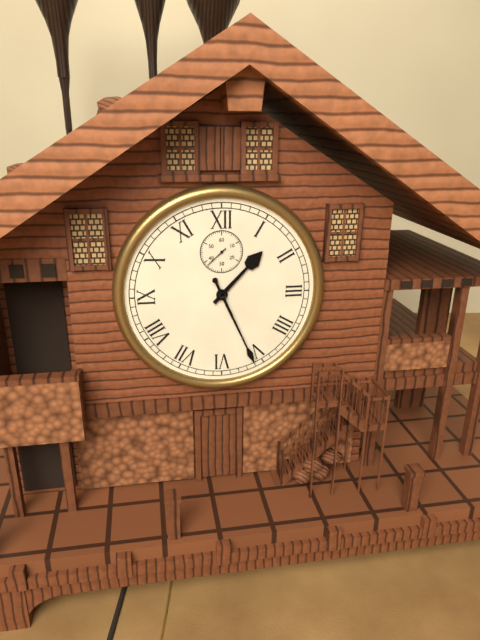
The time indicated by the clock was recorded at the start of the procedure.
1:26
